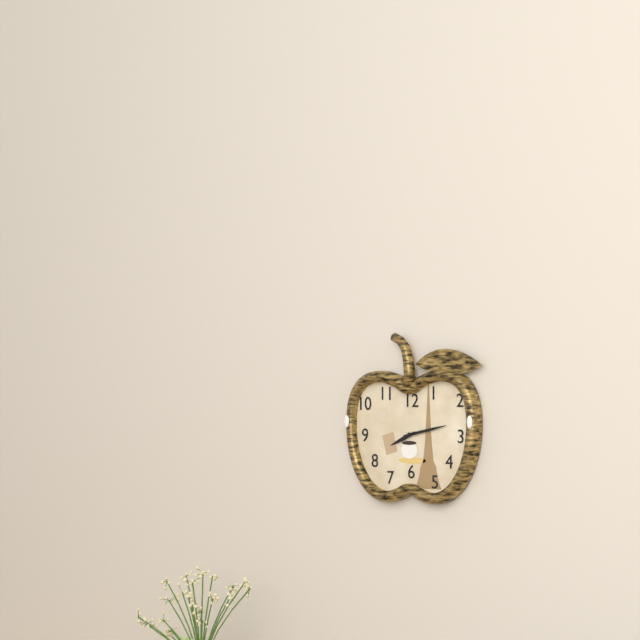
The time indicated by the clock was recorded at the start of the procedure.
8:13
